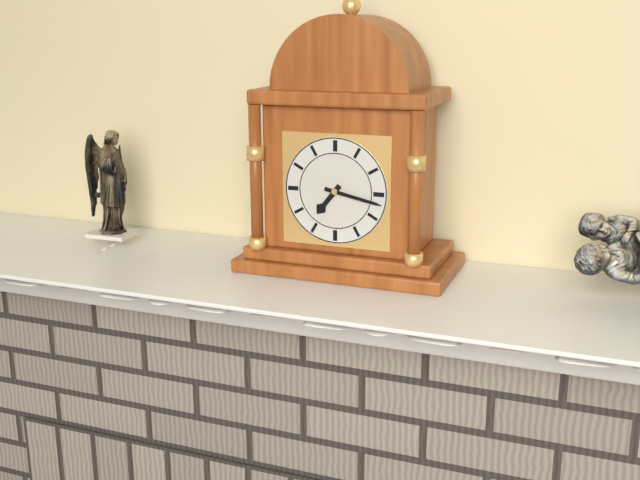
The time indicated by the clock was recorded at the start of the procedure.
7:17
